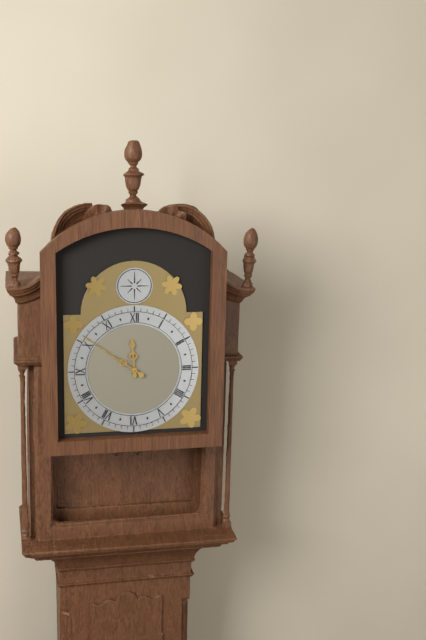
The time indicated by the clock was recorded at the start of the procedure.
11:51
